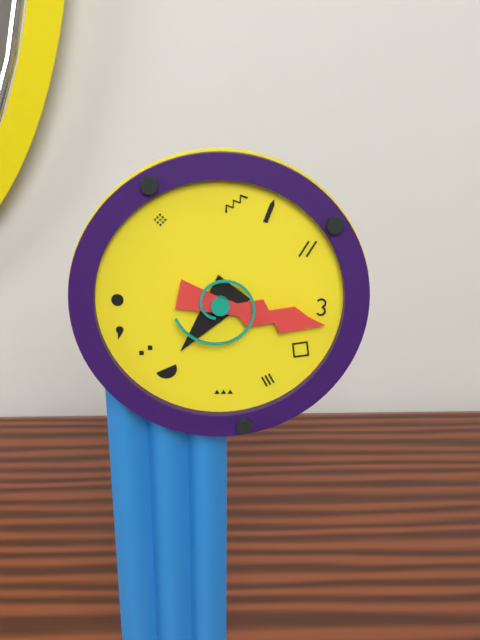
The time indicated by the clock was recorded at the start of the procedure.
7:17
